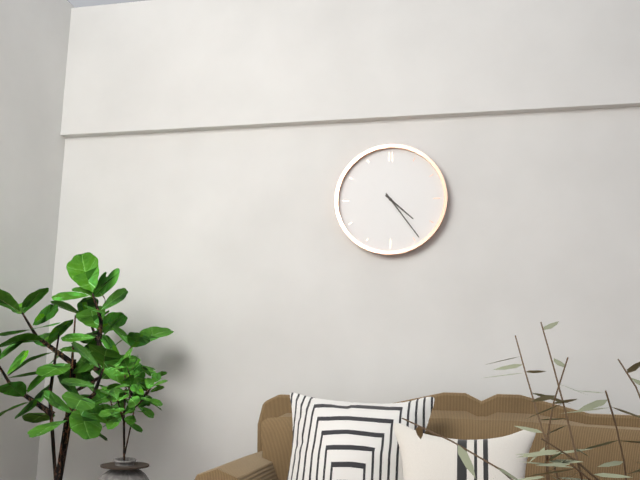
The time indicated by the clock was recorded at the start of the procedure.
4:24
